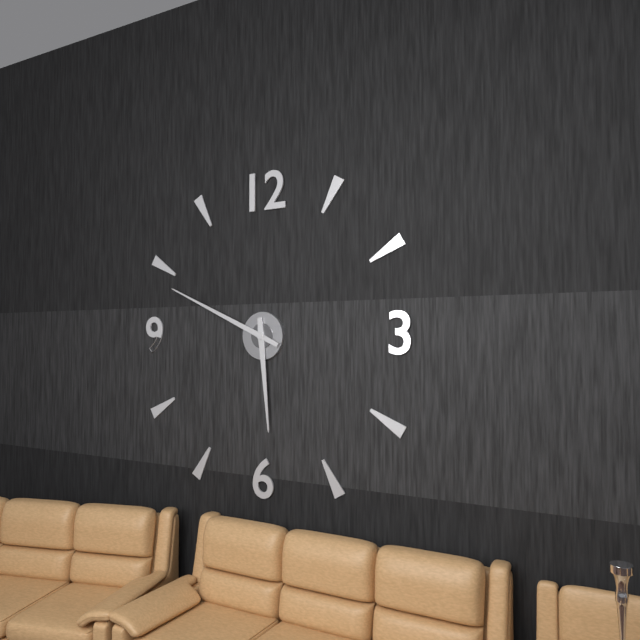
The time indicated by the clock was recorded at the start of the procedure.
5:49
